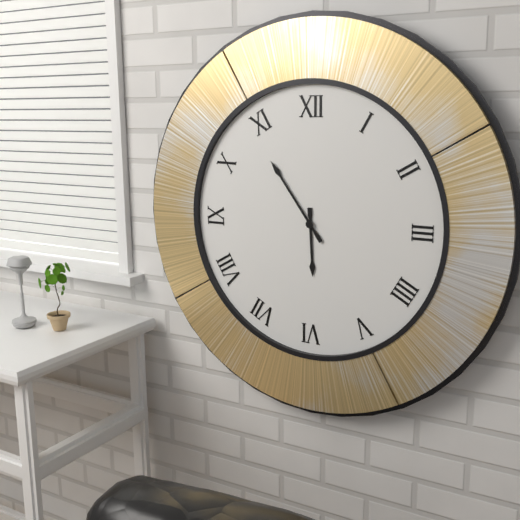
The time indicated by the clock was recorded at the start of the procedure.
5:54
